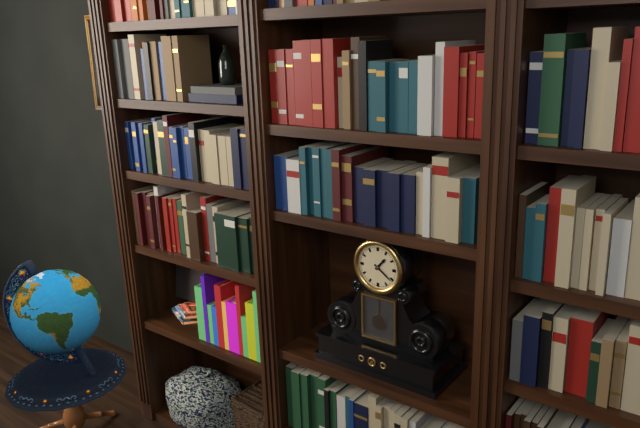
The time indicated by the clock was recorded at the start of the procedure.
1:21
